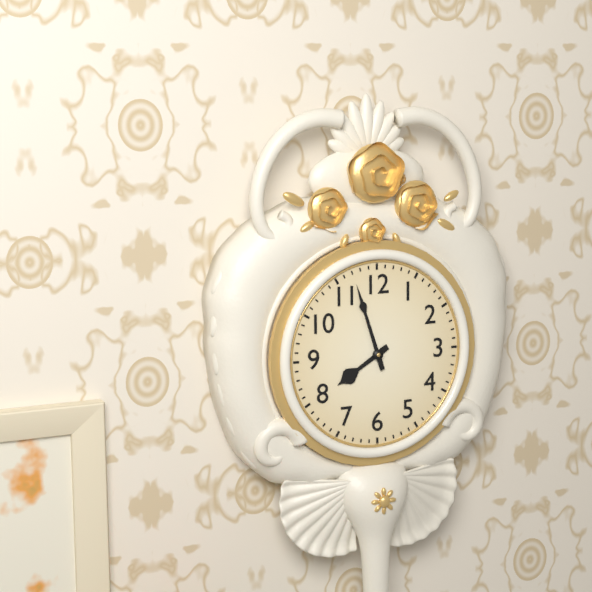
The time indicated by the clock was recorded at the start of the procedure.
7:57
